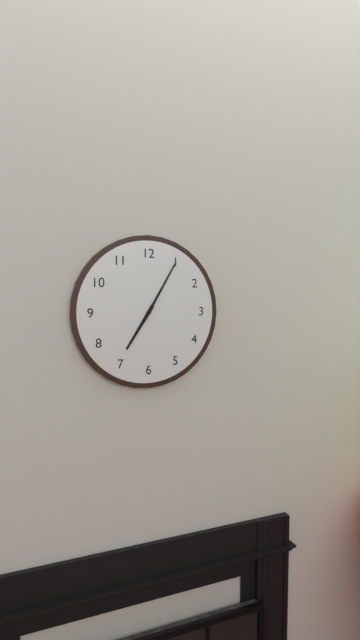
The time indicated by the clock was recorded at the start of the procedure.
7:05
